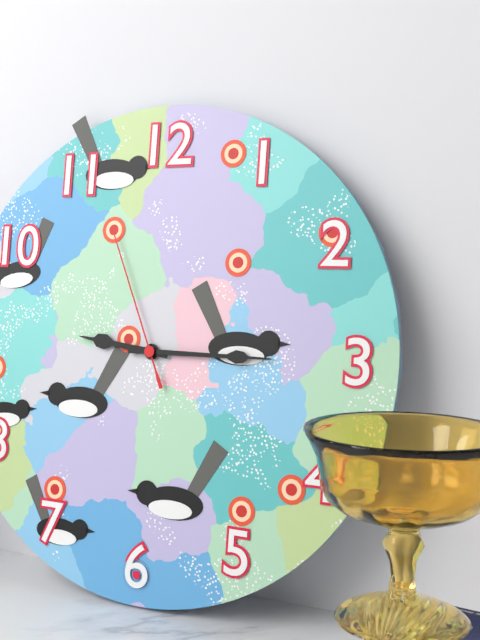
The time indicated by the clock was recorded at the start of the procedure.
9:15:56
